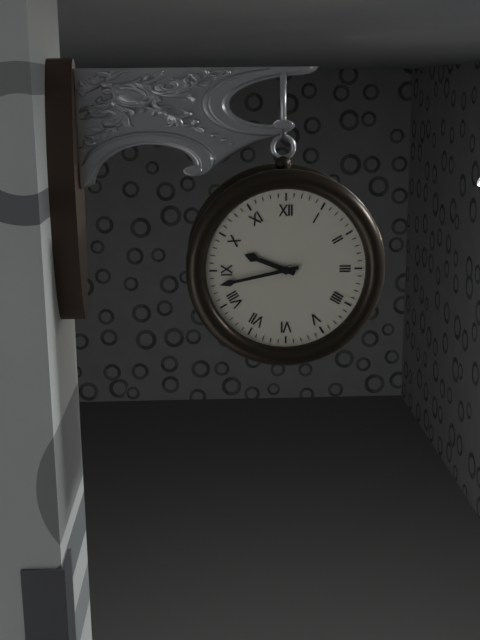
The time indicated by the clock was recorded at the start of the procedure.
9:43
